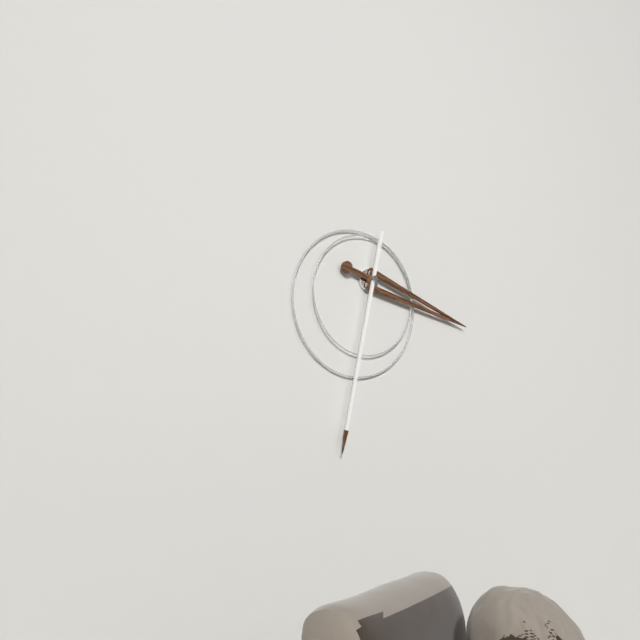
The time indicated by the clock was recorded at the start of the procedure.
3:32
